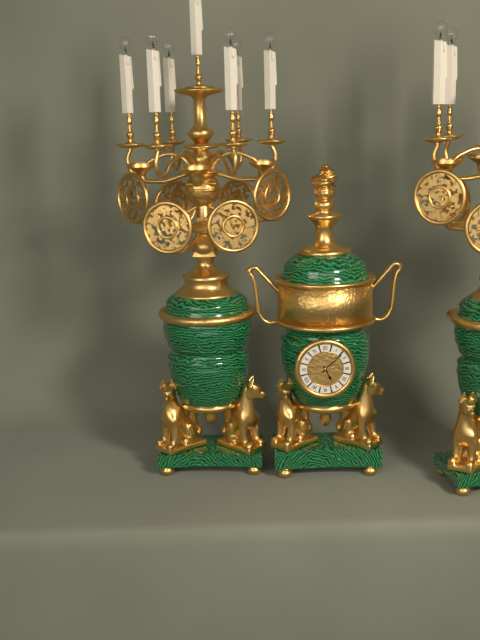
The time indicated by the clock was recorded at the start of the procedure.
5:08
